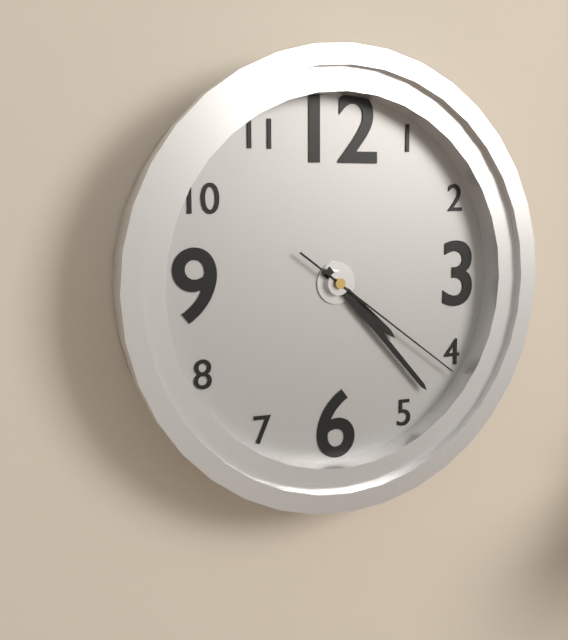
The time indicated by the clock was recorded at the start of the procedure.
4:23:21
